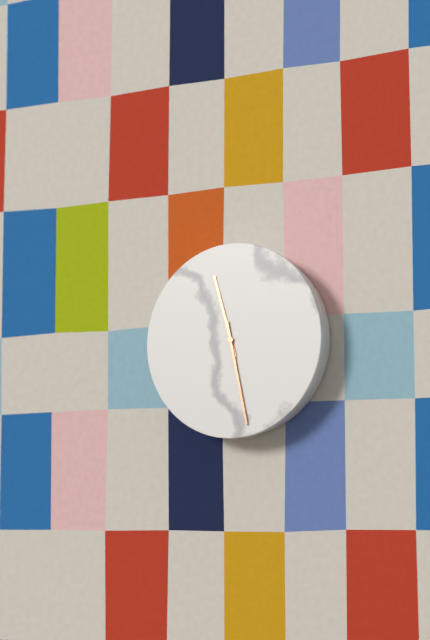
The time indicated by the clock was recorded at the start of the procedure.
11:28
